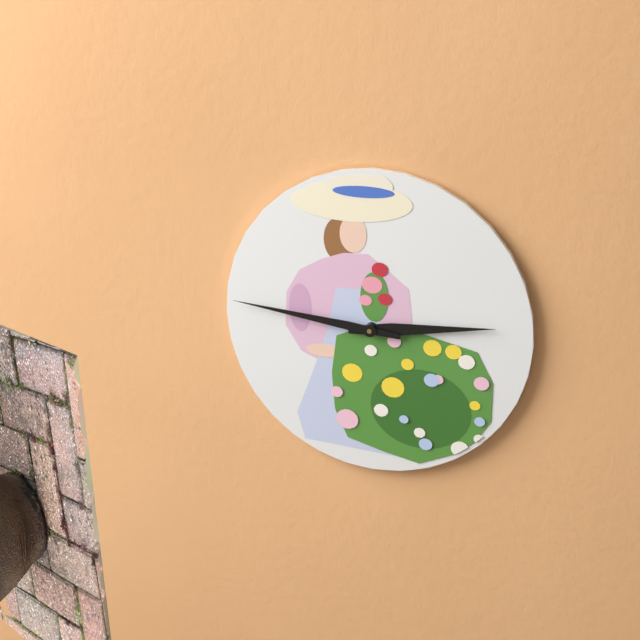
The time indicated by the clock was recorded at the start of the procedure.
2:46
